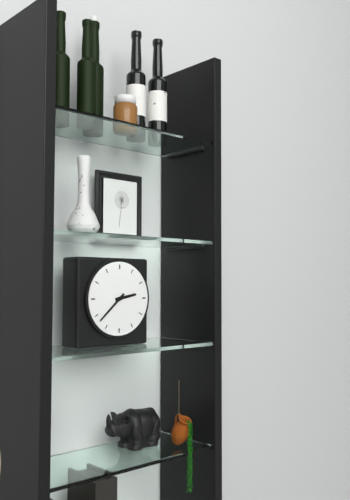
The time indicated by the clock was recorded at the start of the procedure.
2:38
